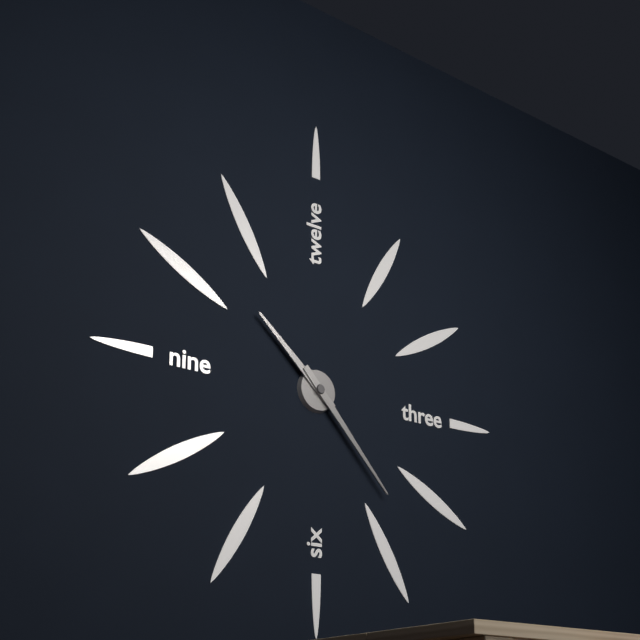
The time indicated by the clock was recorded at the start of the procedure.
10:23
